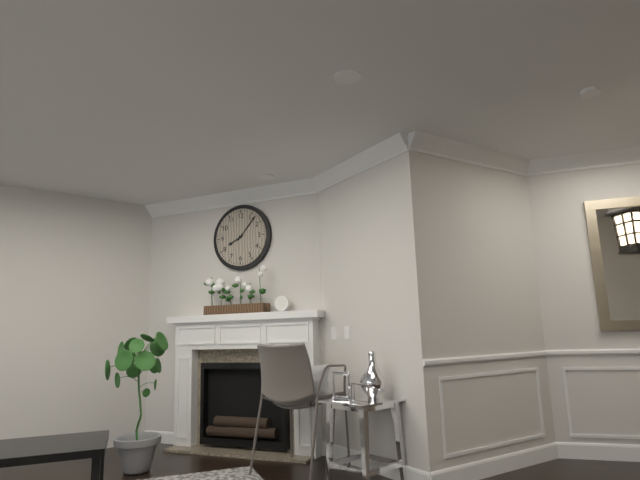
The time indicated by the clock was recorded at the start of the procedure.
8:07
